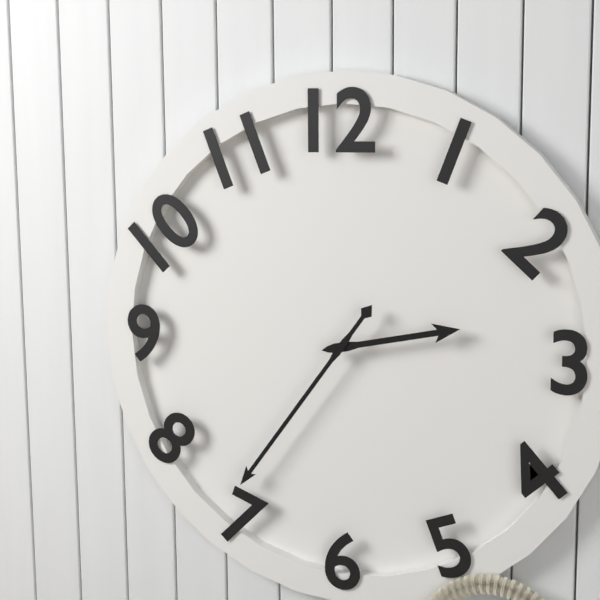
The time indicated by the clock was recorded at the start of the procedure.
2:36
